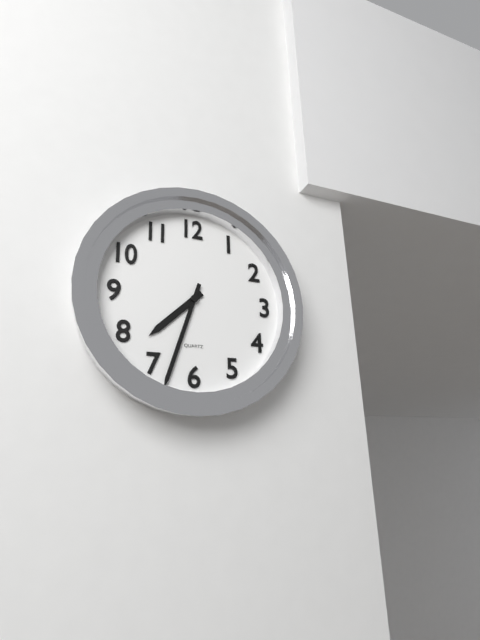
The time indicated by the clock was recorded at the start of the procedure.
7:33
